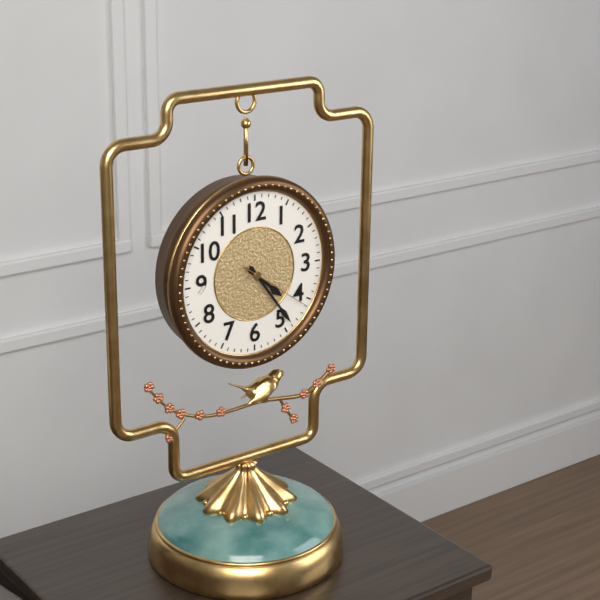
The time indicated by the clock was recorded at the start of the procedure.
4:24:21
